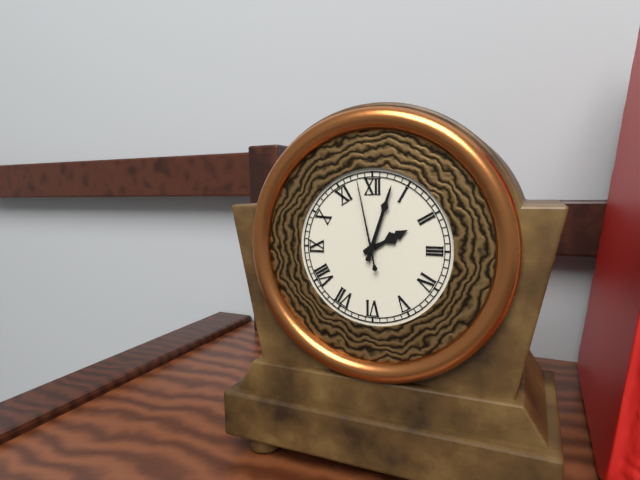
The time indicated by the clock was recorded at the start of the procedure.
2:03:58
